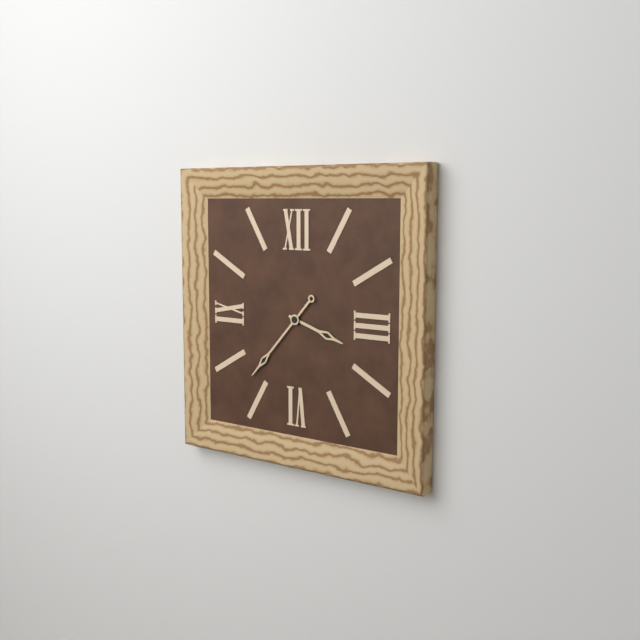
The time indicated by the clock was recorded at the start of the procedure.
3:37
